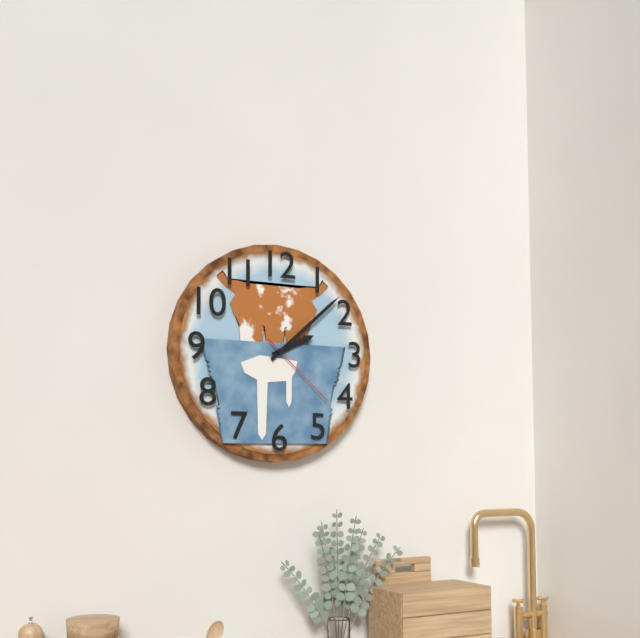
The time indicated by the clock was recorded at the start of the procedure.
2:08:22
